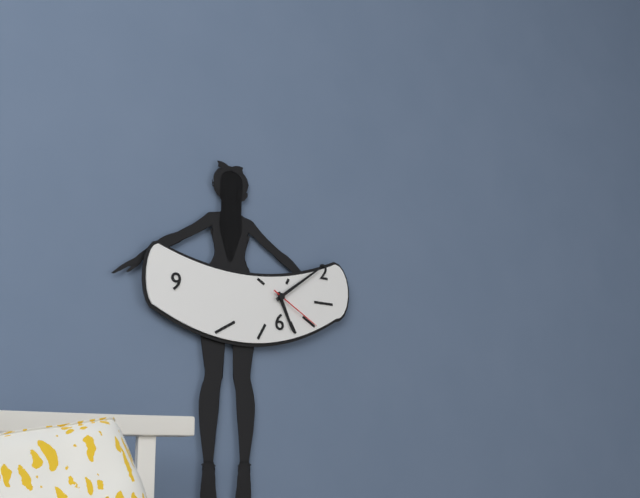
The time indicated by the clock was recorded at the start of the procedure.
5:09:20
